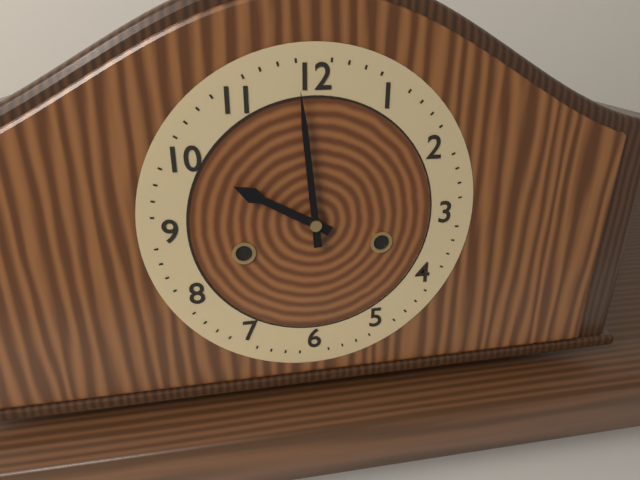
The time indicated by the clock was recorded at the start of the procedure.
9:59
